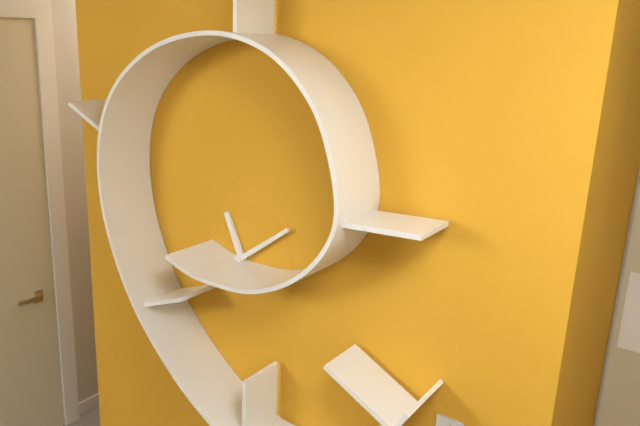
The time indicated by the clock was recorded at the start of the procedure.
11:09
